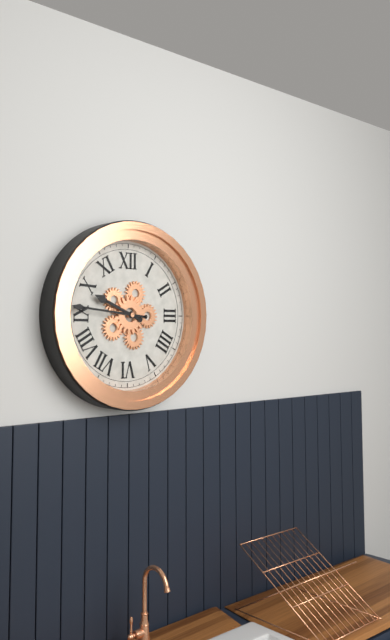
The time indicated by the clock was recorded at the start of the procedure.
9:46
